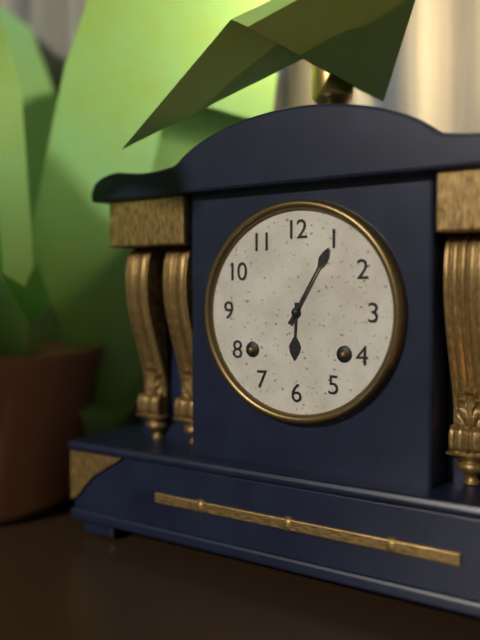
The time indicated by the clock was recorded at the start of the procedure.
6:05
